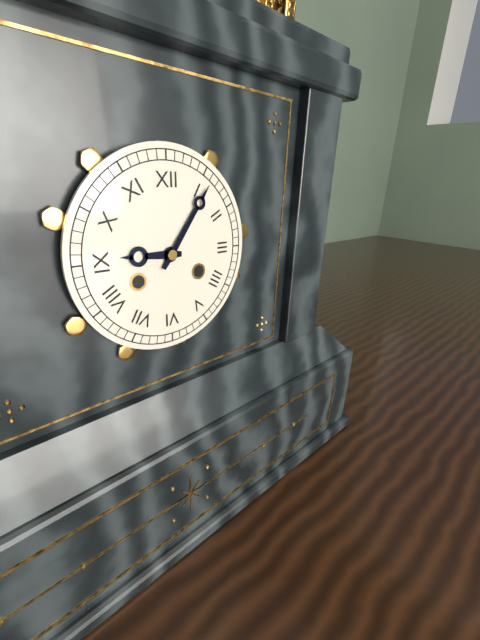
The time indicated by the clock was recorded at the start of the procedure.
9:06
